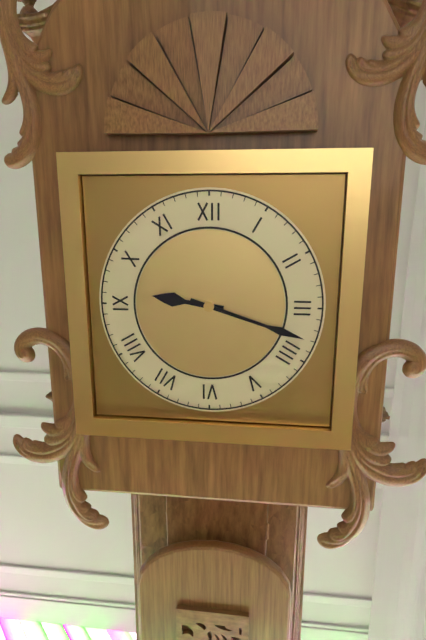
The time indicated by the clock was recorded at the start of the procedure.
9:18
